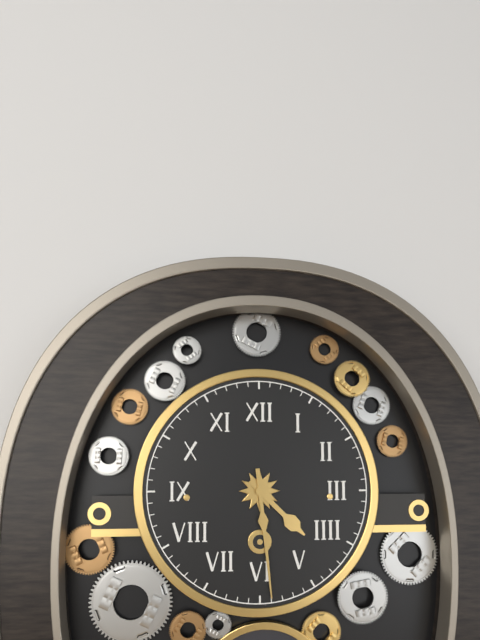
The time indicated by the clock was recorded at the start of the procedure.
4:29
